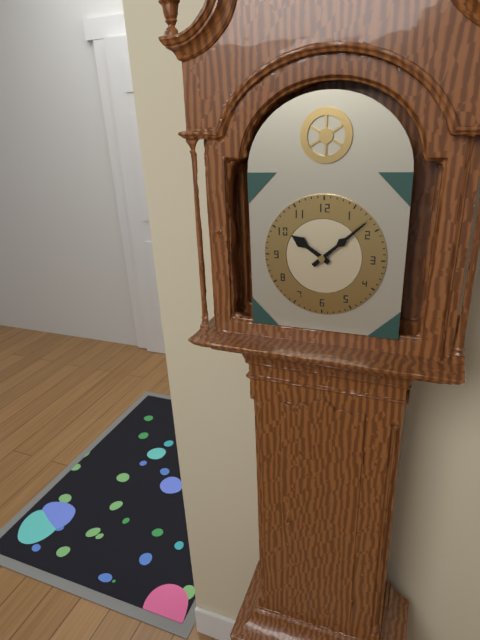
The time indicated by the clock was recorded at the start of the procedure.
10:08
